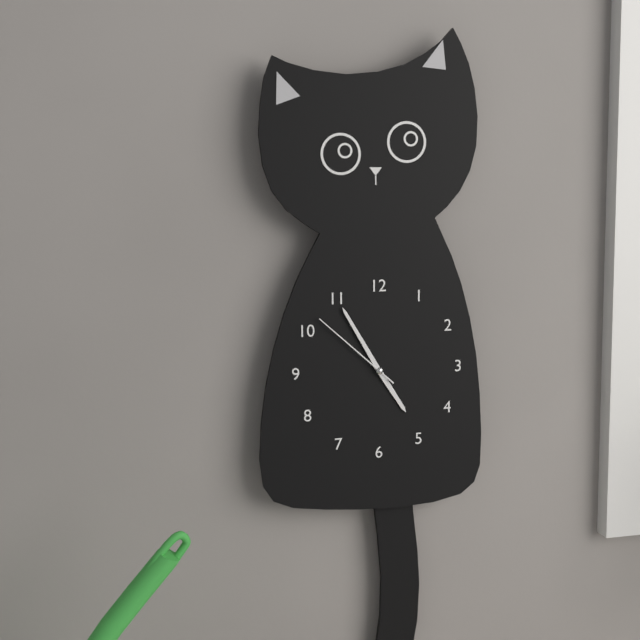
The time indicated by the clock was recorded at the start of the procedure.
4:55:52
